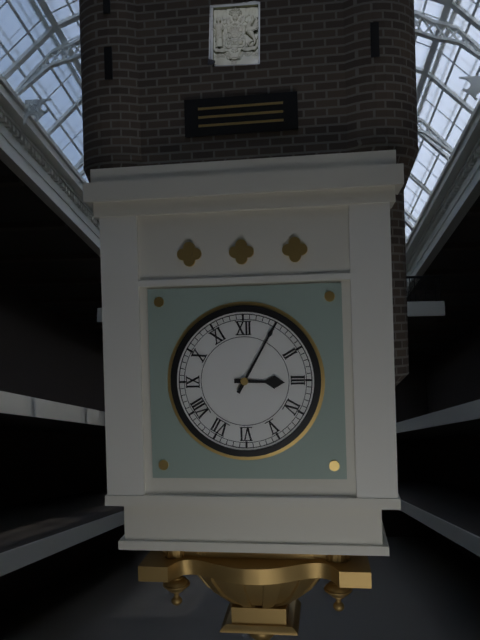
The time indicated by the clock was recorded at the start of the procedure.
3:05
